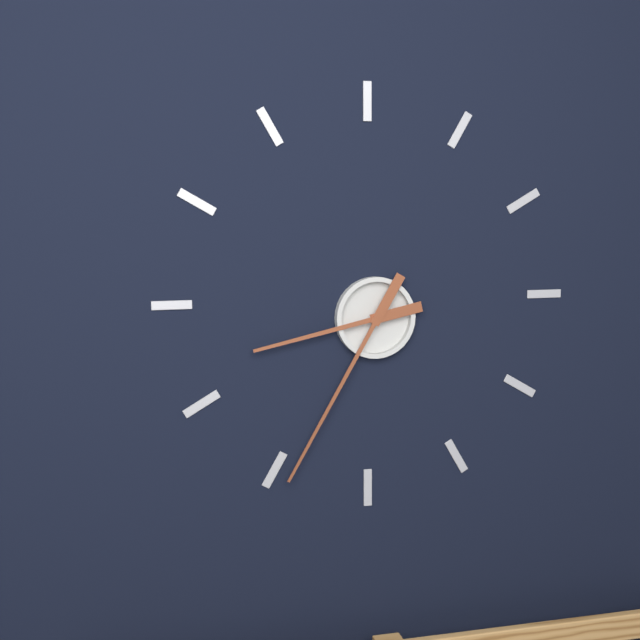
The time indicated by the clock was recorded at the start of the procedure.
8:35
